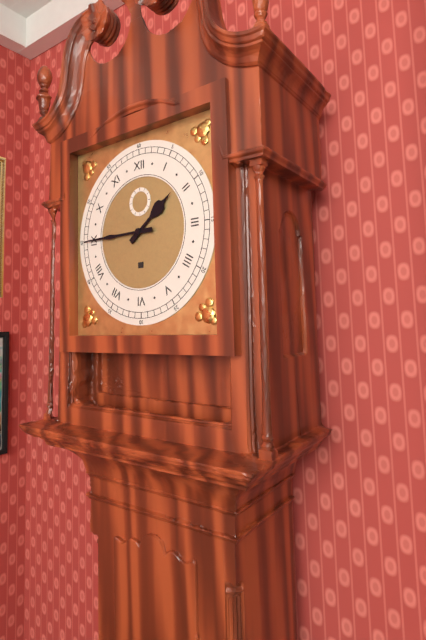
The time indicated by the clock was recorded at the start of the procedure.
1:45
